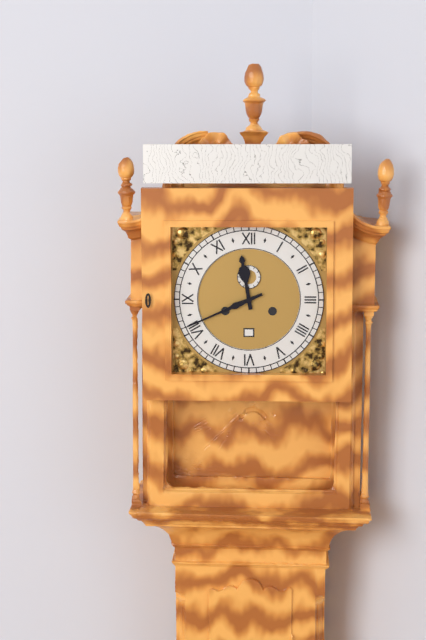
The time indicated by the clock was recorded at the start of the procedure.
11:41
